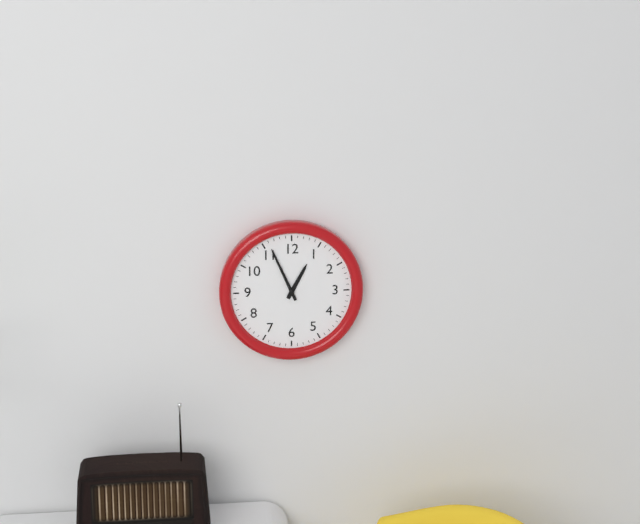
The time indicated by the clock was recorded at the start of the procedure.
12:56
